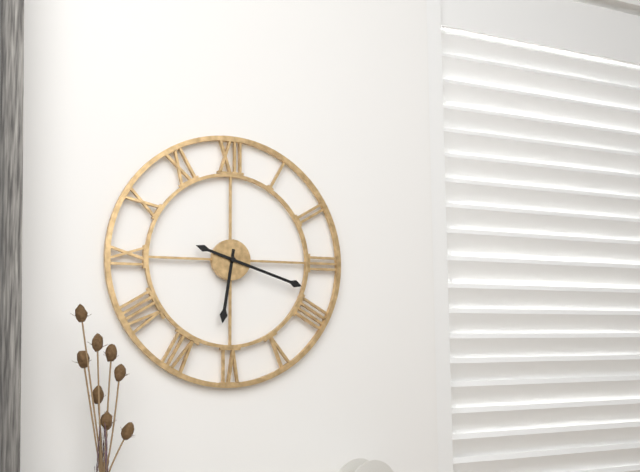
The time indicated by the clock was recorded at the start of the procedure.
6:18
